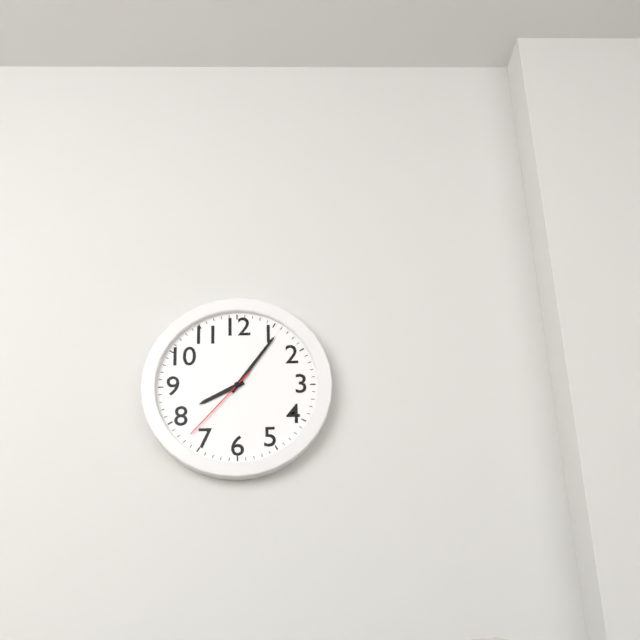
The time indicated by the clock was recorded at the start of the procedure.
8:06:37
